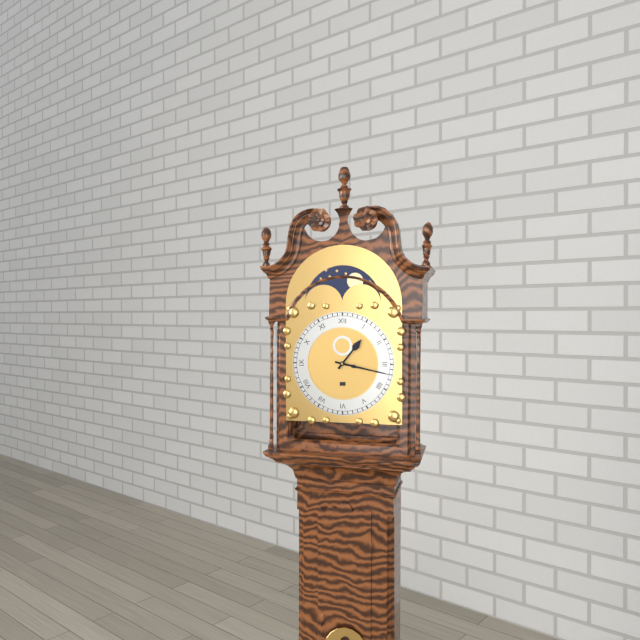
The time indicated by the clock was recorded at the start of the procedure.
1:17
